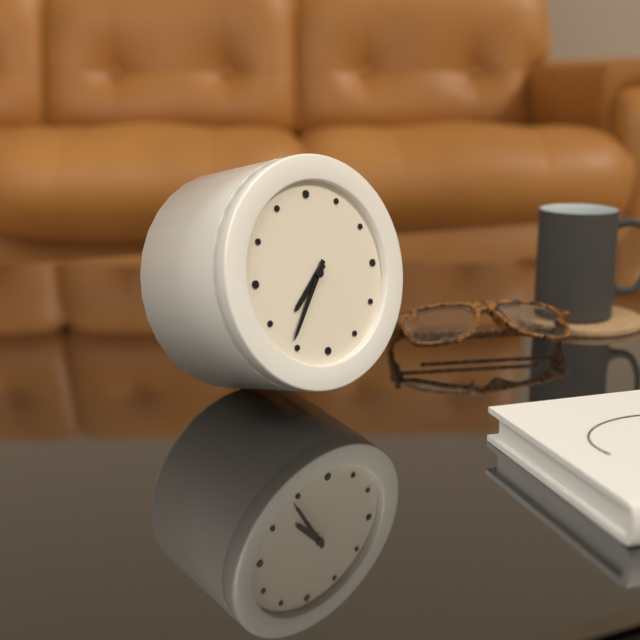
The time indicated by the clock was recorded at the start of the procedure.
7:36
